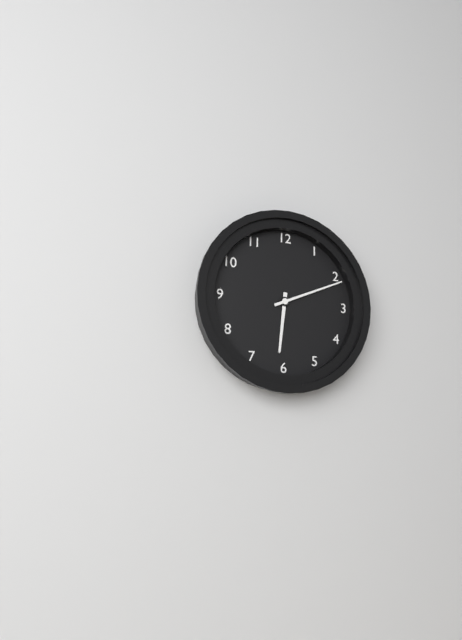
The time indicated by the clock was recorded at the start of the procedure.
6:11
